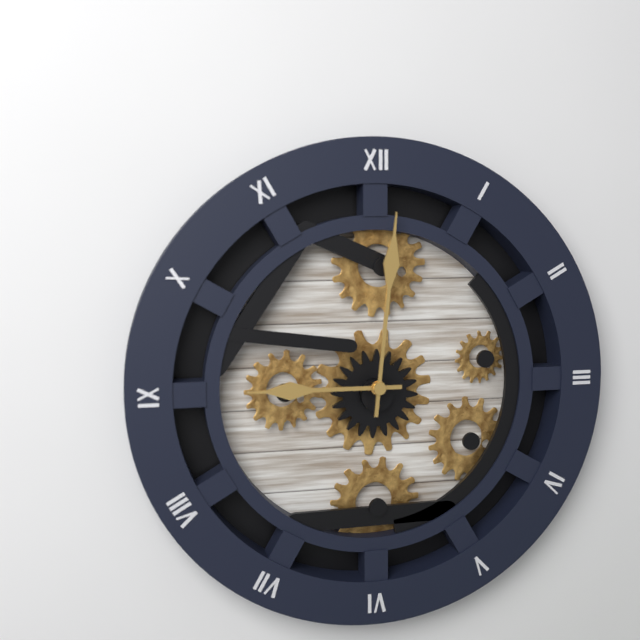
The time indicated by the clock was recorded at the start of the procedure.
9:01
